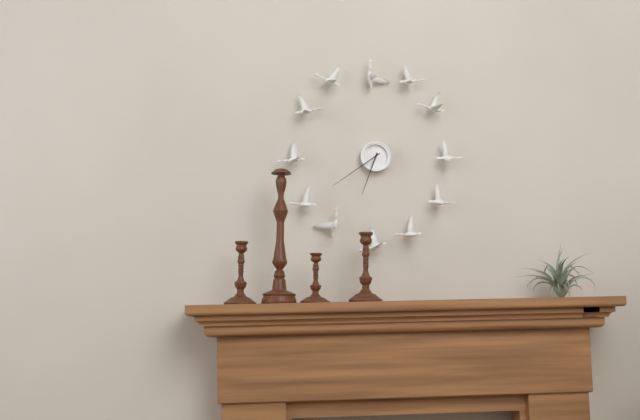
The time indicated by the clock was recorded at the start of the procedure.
6:39
